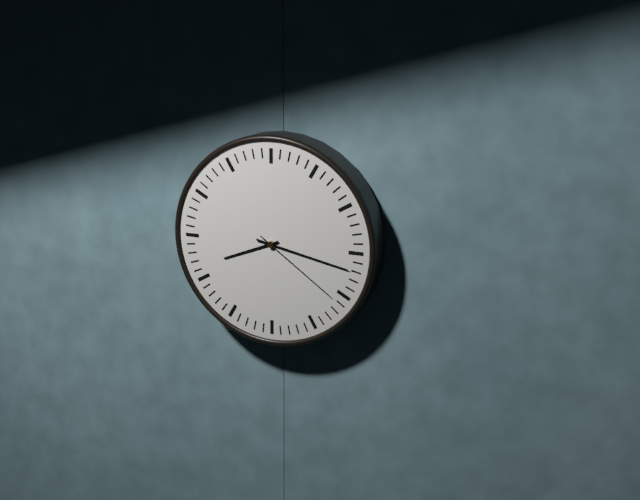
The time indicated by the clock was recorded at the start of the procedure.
8:17:21
